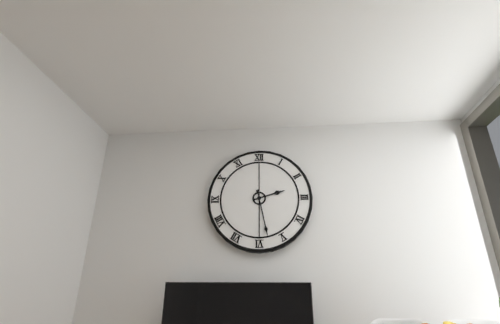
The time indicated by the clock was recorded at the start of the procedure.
2:28
